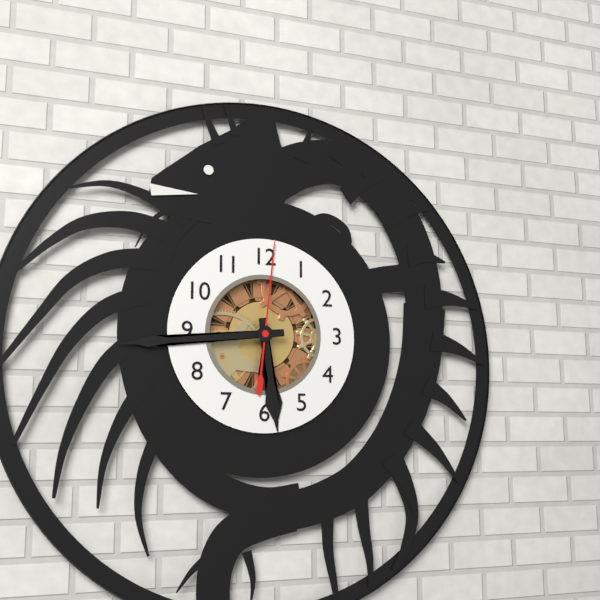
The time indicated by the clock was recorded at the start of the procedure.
5:44:01
